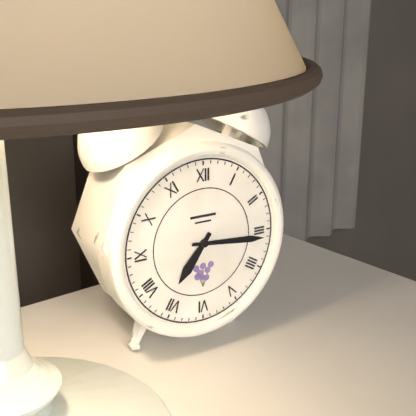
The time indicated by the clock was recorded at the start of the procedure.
7:16
